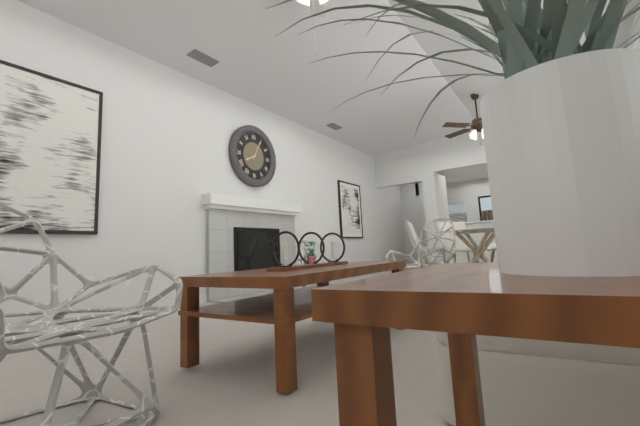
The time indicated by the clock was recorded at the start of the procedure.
8:05
